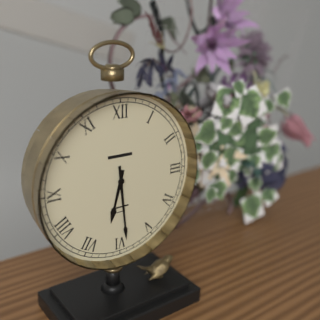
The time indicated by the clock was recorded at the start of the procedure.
6:29
